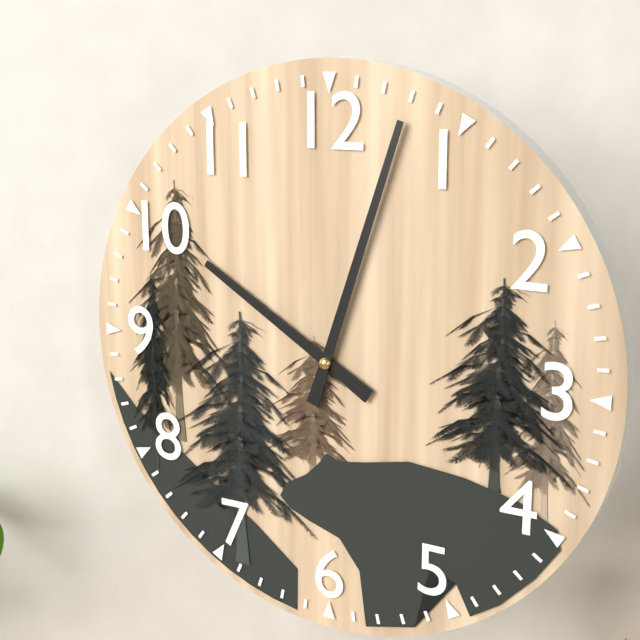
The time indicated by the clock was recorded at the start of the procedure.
10:03
